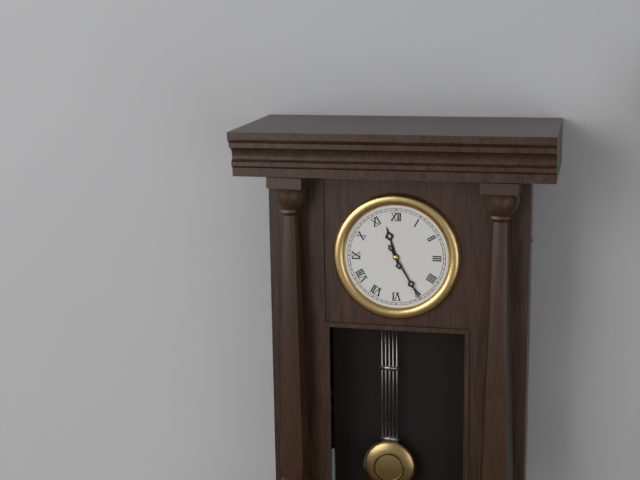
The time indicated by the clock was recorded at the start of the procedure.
11:25
